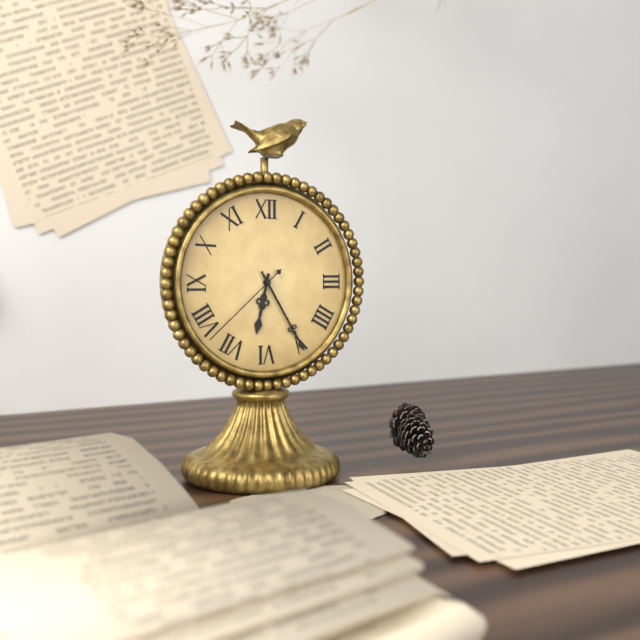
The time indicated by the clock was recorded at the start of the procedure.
6:25:38
